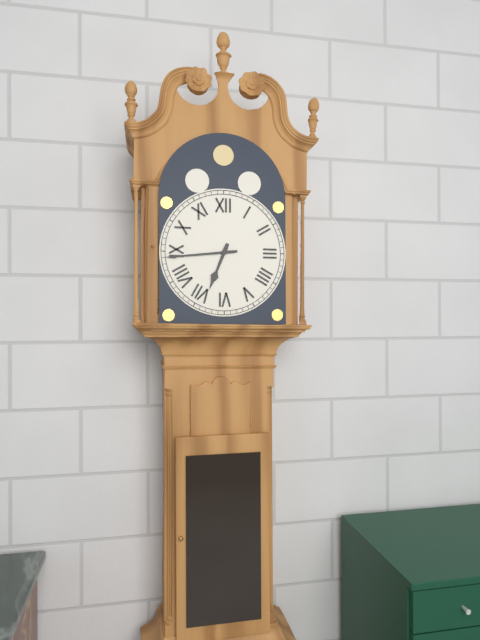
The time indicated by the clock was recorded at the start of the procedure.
6:44
